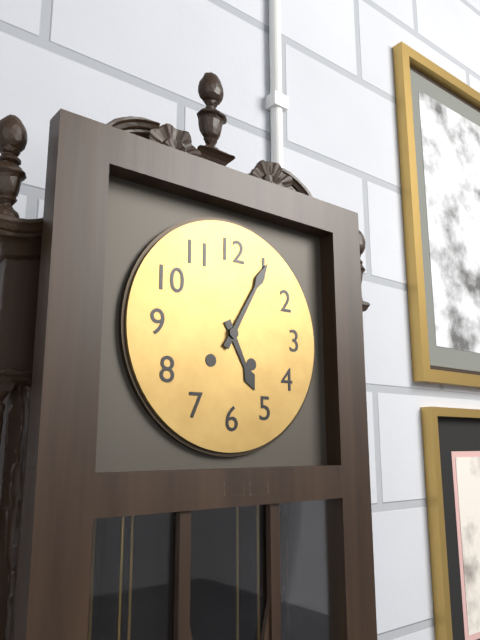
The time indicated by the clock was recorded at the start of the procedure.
5:05
